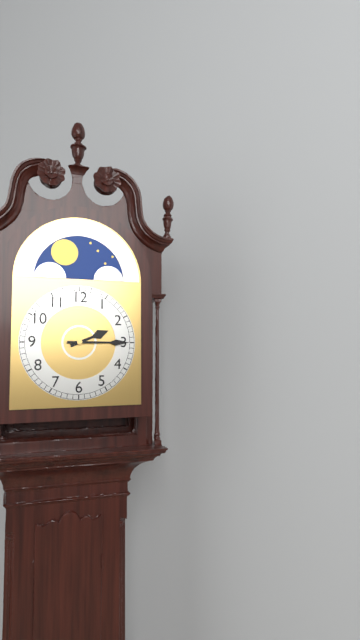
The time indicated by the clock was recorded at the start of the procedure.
2:15
